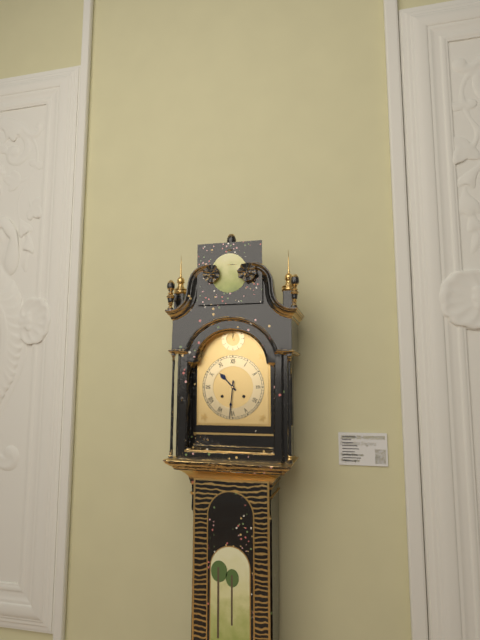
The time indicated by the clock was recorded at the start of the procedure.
10:31
